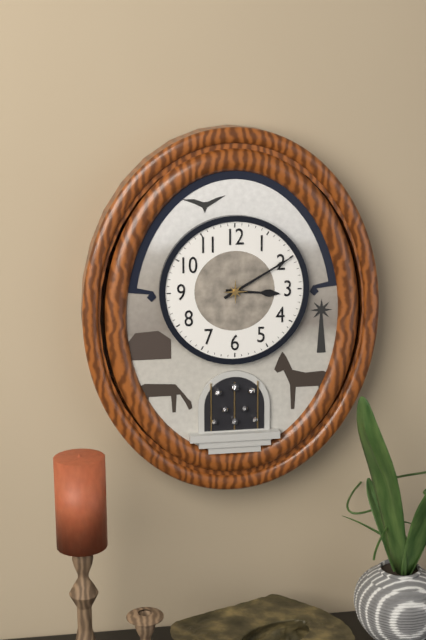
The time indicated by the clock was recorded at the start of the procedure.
3:10
